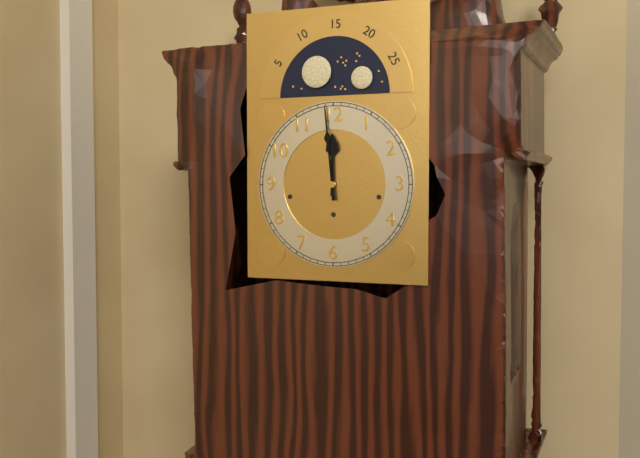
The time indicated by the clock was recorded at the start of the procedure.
11:59
